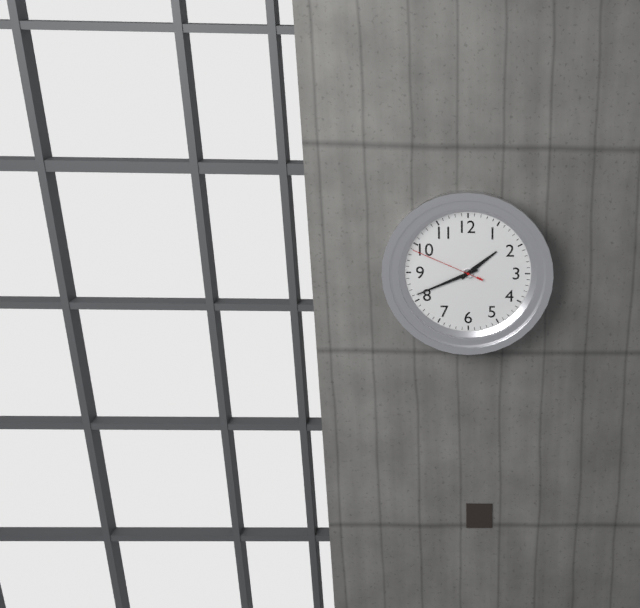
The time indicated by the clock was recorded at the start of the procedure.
1:41:49
